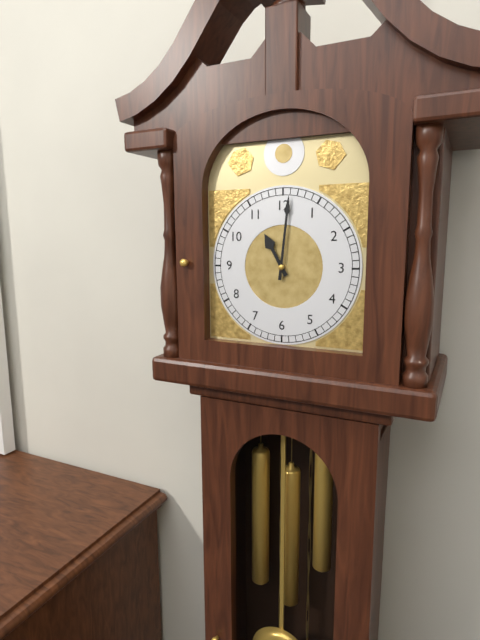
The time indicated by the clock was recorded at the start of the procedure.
11:01
